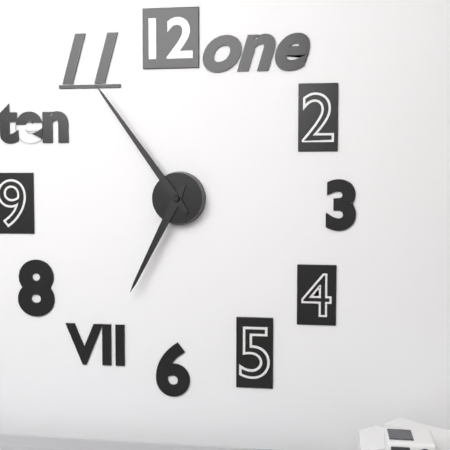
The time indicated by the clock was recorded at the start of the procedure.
6:54
